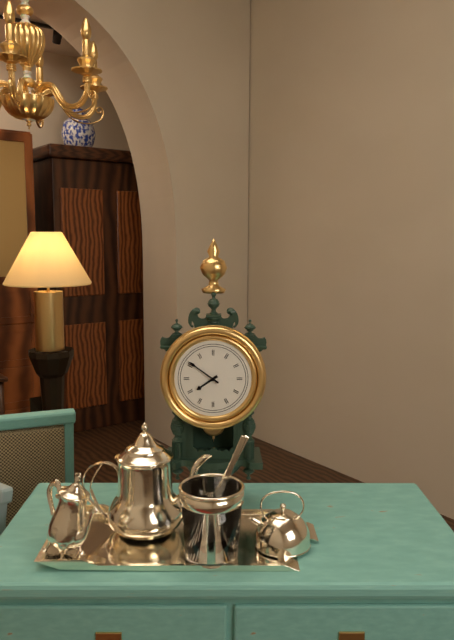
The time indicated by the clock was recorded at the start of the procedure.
7:51
